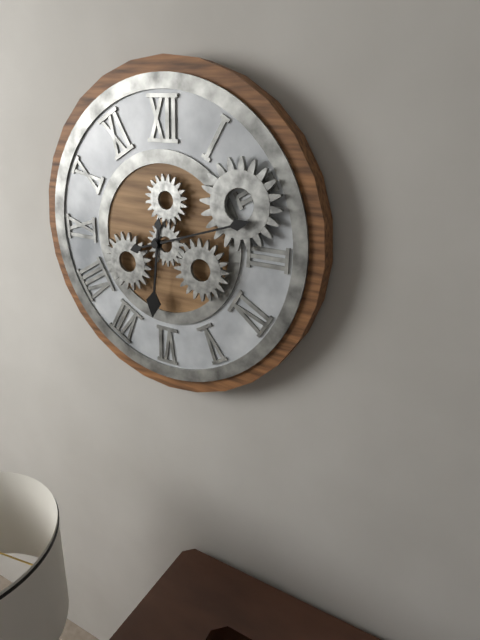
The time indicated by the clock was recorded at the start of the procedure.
6:12
